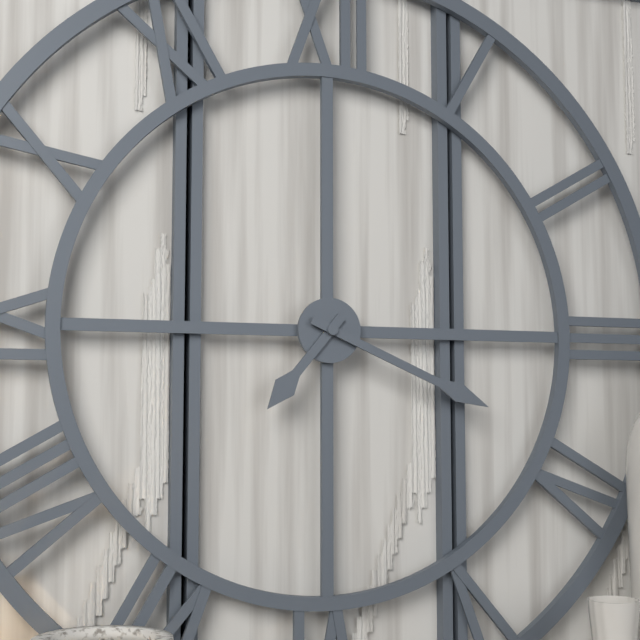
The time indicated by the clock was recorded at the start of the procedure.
7:19
